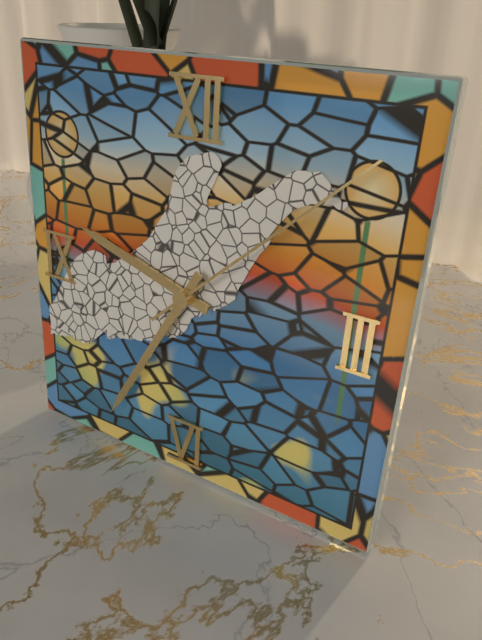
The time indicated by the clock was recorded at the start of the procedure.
9:35:08
